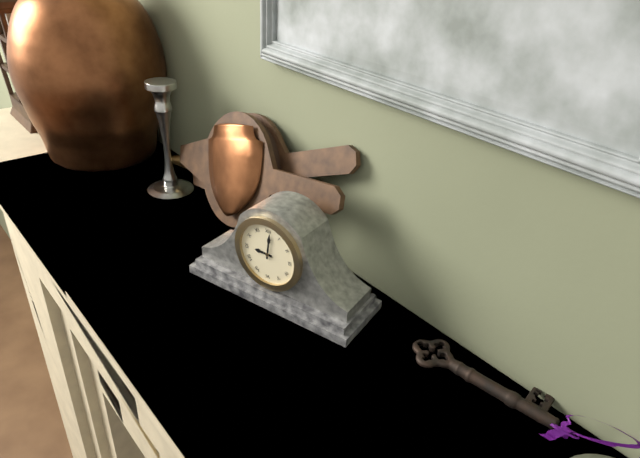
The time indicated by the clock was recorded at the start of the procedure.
9:01
